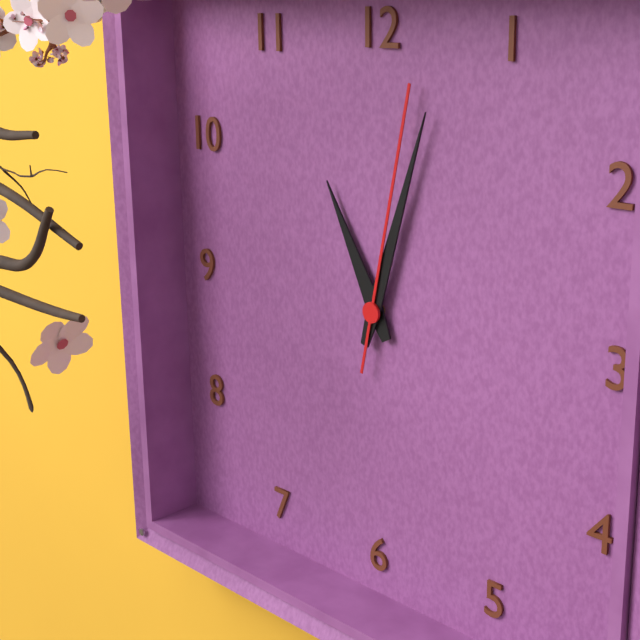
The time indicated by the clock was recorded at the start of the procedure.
11:03:02
